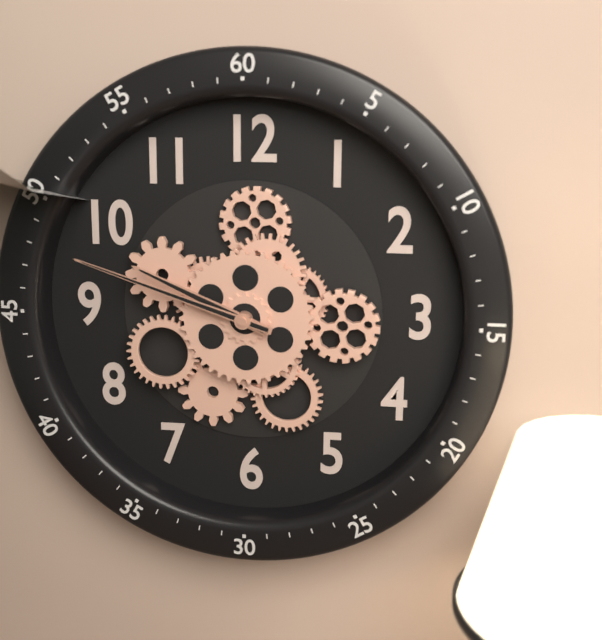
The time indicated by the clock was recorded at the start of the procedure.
9:48
